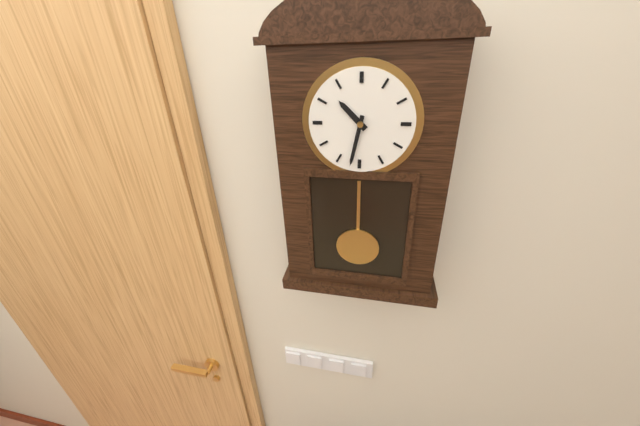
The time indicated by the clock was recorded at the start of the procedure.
10:32
